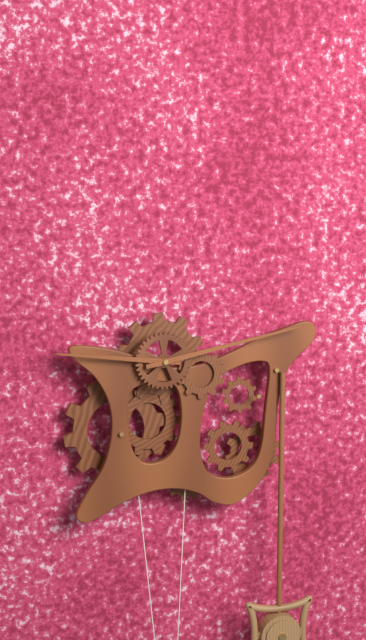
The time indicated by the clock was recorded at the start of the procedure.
9:13
